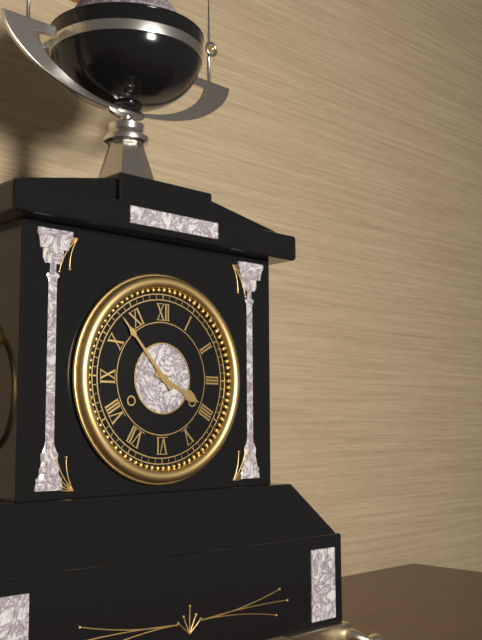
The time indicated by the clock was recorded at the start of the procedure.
3:53
